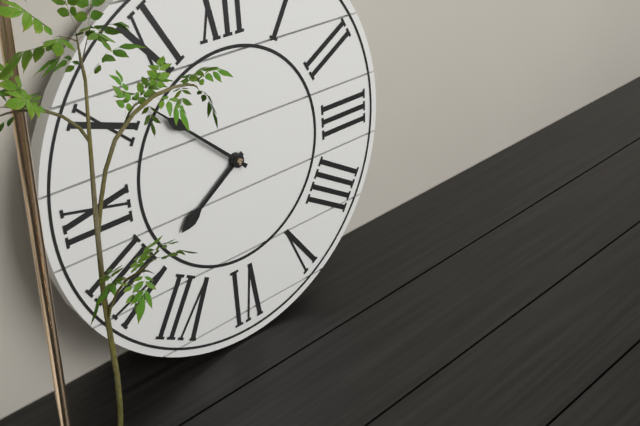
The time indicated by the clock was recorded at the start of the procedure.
7:52
